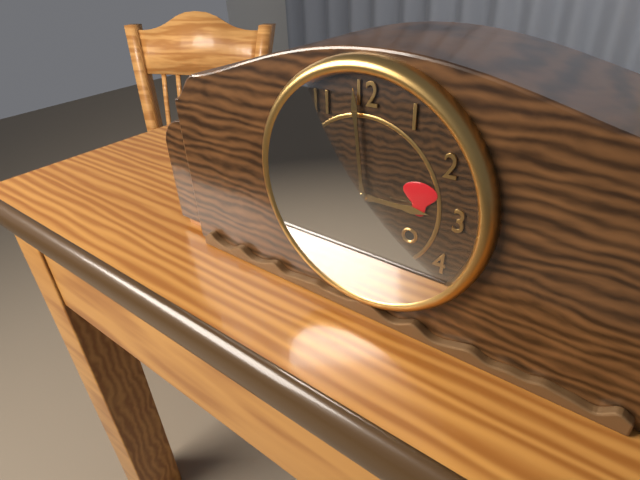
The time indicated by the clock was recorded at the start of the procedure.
2:59
